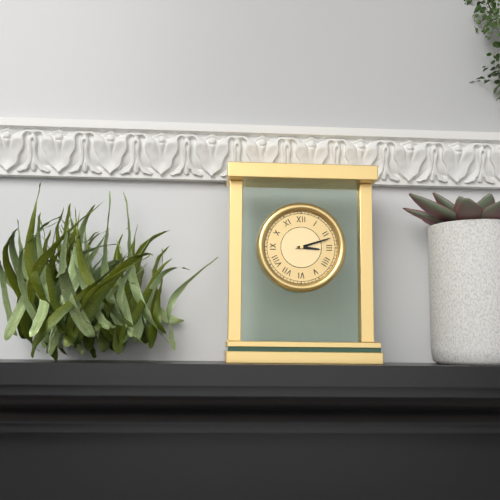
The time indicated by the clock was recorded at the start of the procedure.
3:12
